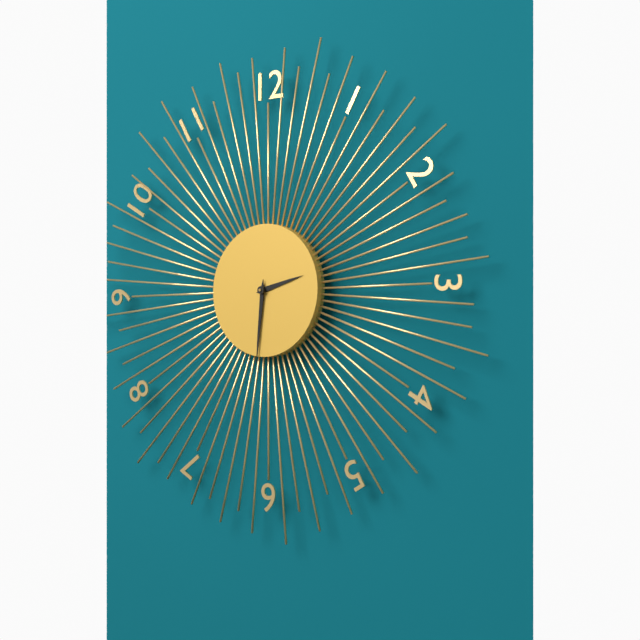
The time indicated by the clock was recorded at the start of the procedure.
2:31
